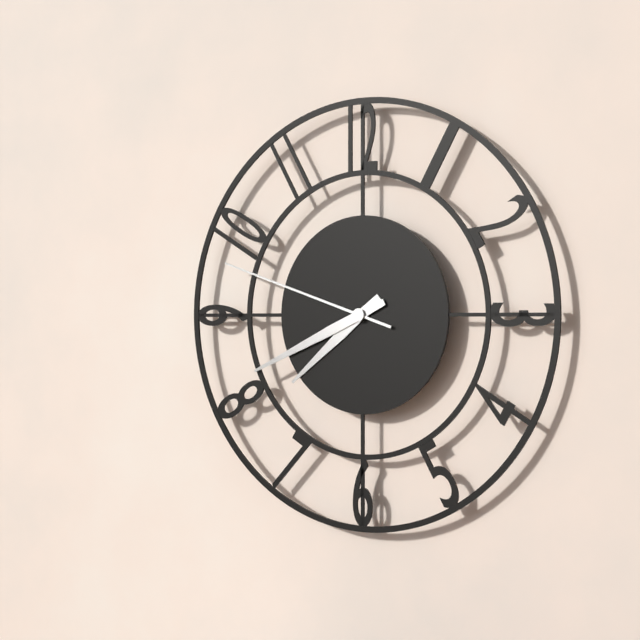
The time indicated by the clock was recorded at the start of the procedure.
7:41:48
